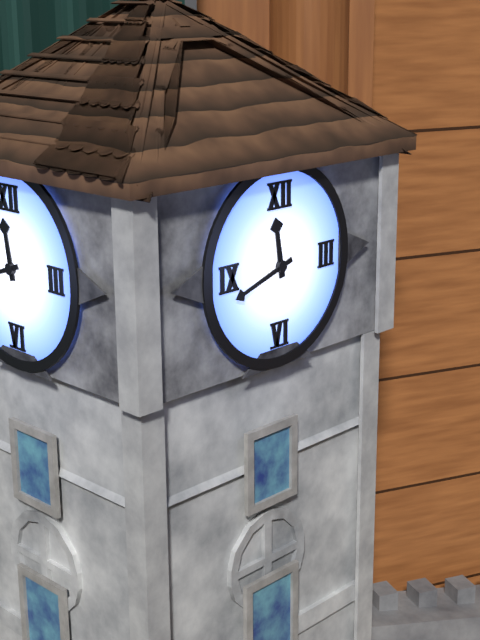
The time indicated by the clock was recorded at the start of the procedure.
11:42
